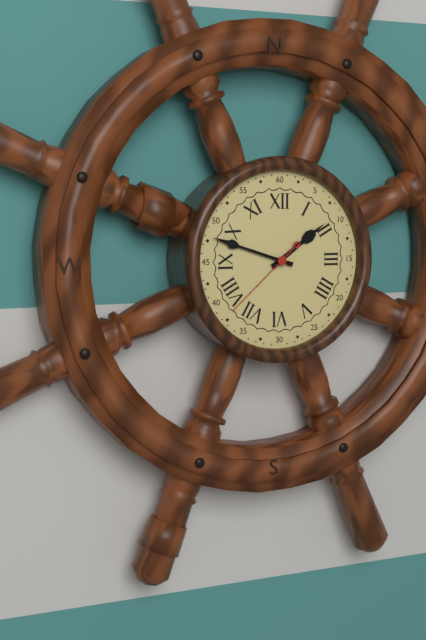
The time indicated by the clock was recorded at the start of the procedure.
1:48:38
